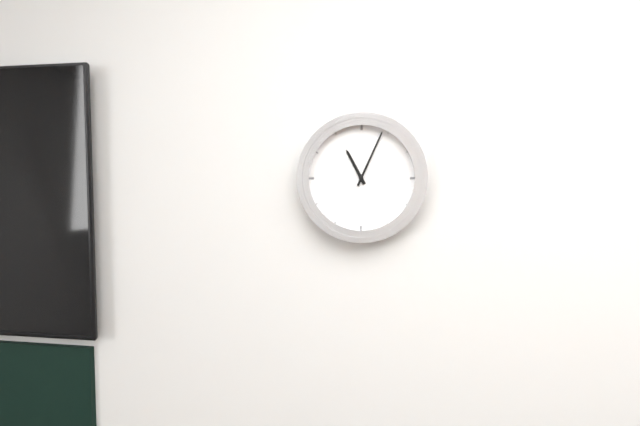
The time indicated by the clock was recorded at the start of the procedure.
11:04
